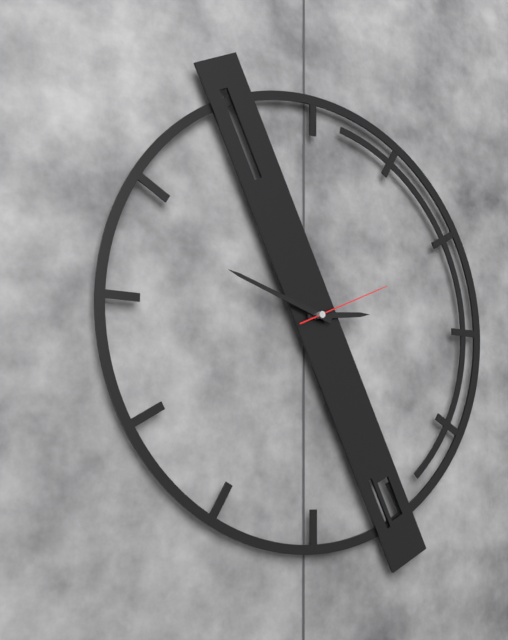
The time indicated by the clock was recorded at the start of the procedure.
2:48:11
